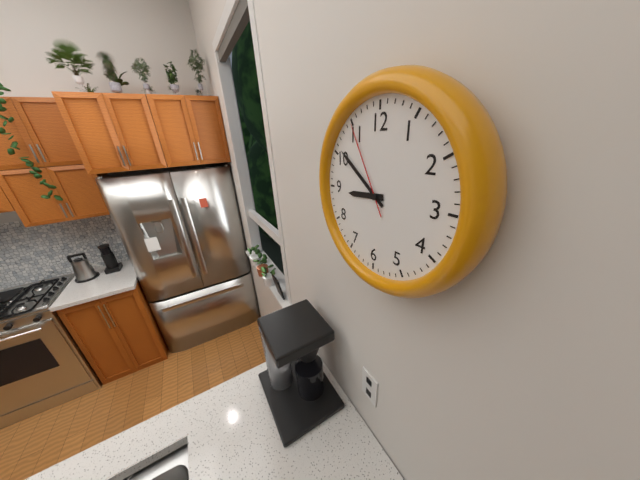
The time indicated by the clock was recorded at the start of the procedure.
8:51:55
